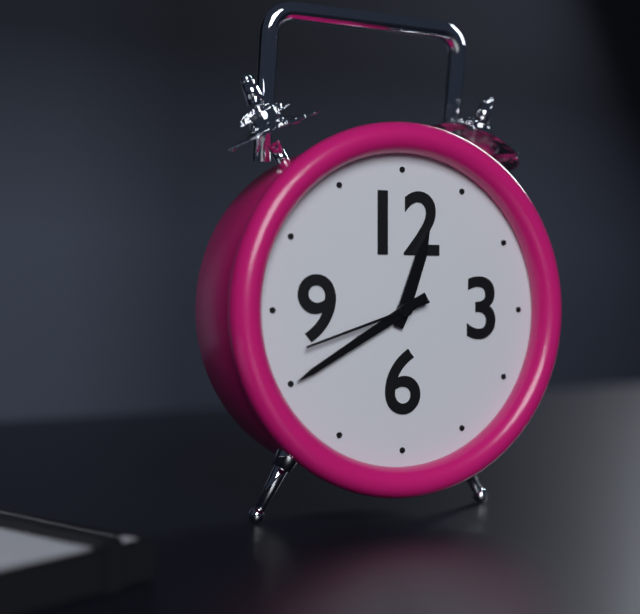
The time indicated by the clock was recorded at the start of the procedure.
12:40:42
